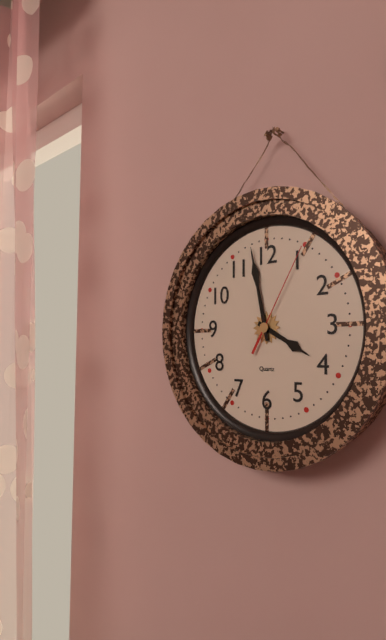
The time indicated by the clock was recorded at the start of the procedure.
3:58:05
